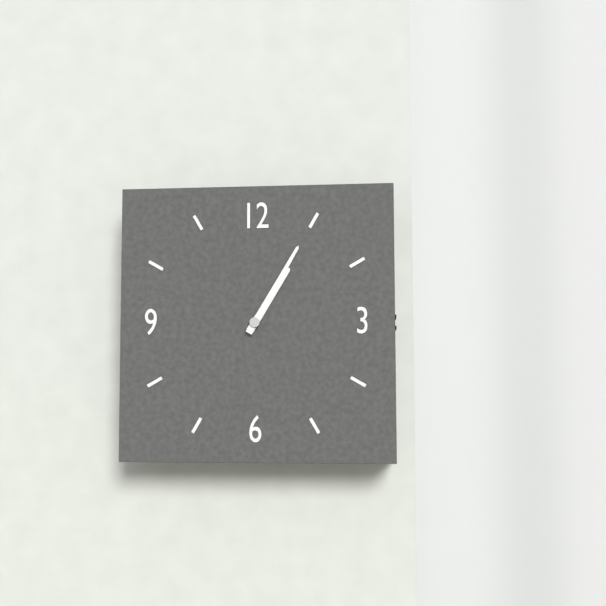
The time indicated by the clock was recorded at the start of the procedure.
1:05
